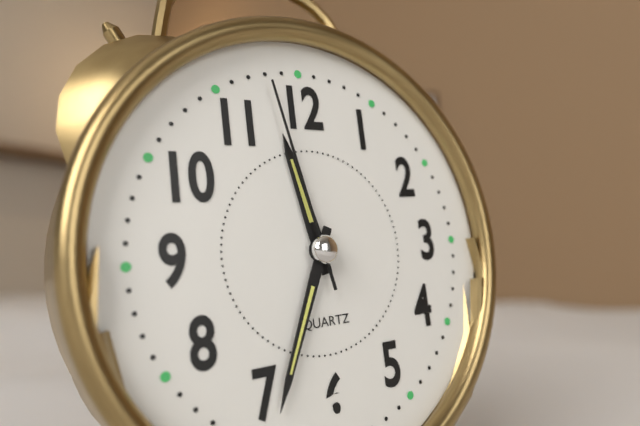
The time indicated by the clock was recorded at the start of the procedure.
11:34:58
